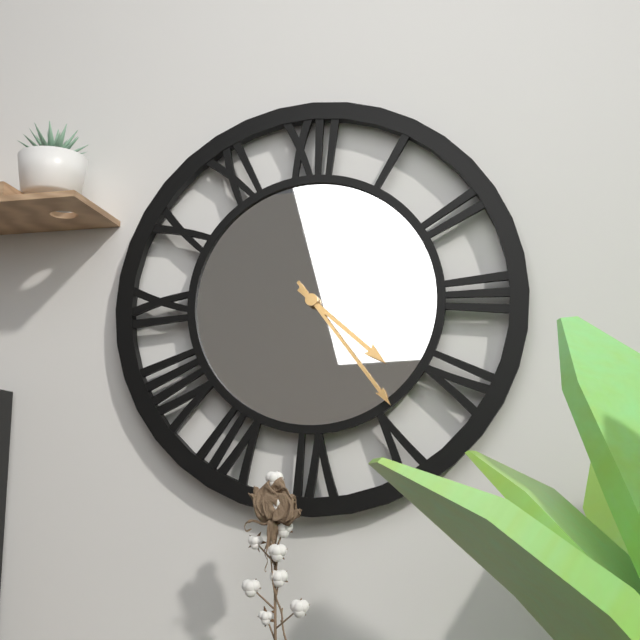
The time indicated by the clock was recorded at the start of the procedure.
4:24
